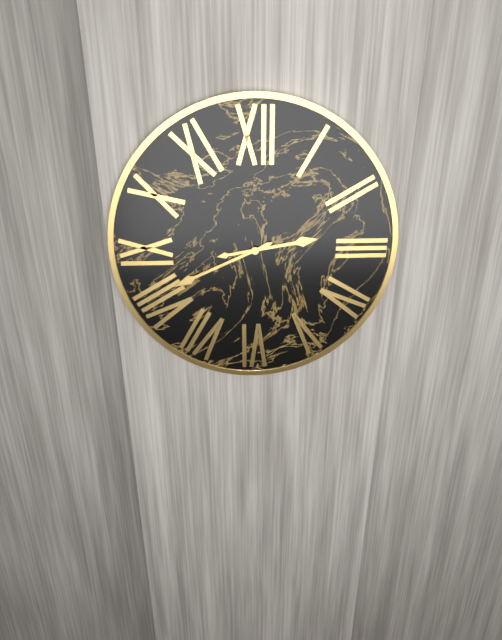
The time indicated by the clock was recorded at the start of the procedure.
2:41
